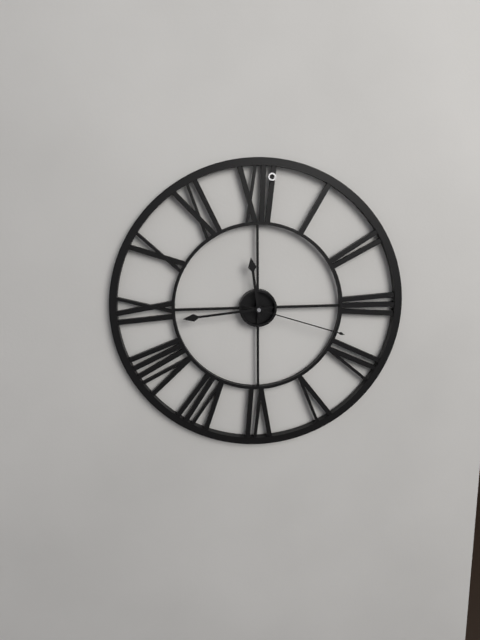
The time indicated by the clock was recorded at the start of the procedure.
11:44:18
